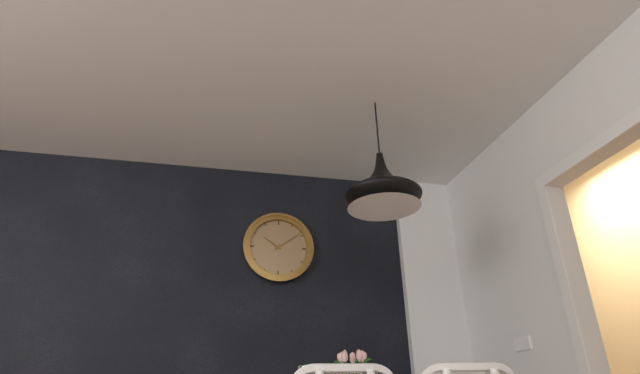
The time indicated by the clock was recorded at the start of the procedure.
10:09
